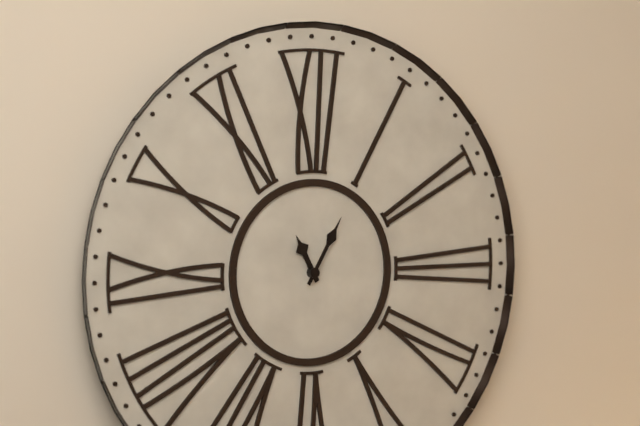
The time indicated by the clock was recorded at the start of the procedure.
11:05
